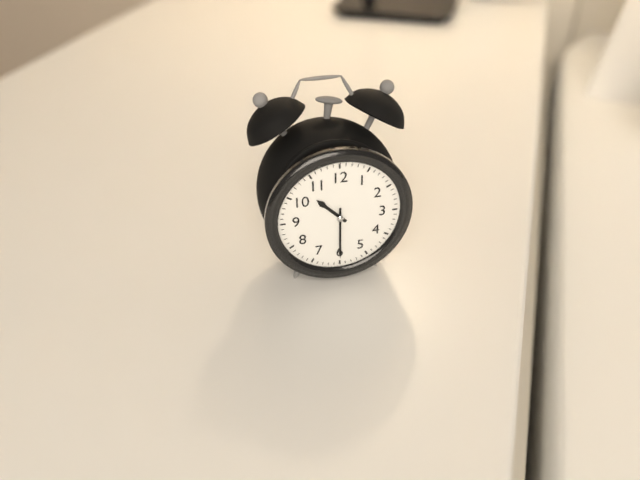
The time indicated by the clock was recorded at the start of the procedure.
10:30
